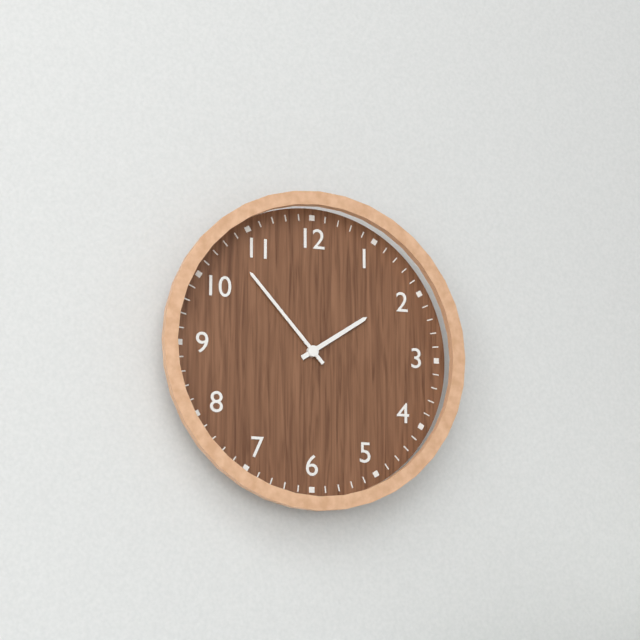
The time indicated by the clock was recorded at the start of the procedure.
1:53
